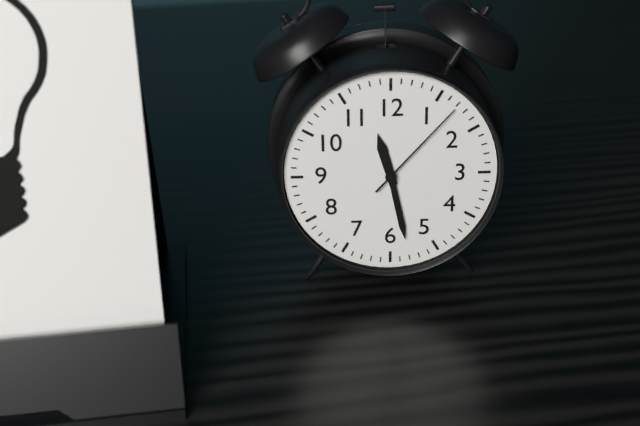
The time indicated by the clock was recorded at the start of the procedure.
11:28:07
